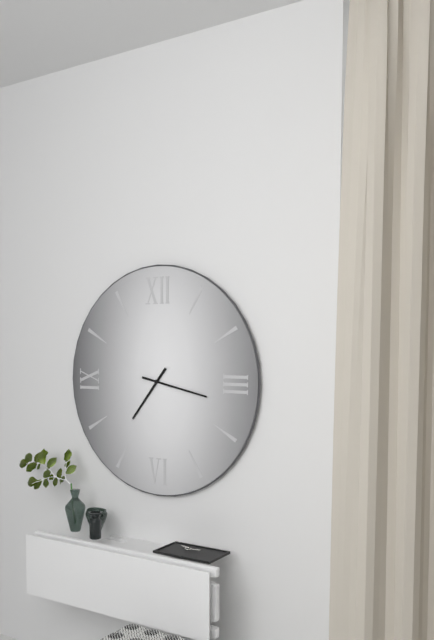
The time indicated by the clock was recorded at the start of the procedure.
7:17
